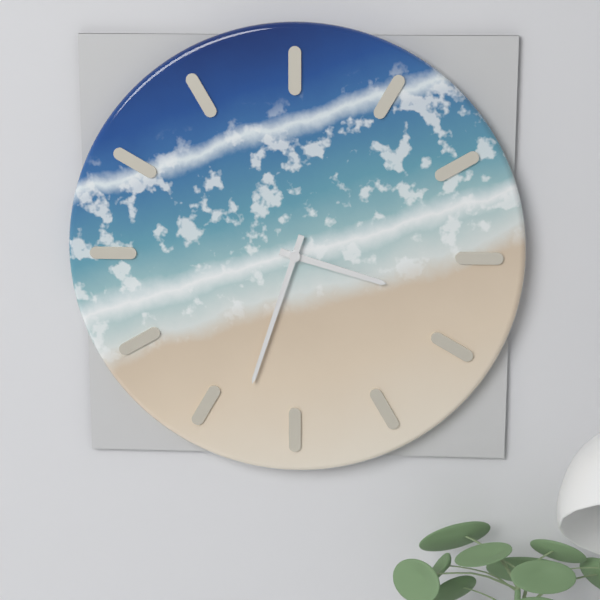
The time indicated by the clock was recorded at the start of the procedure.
3:33
